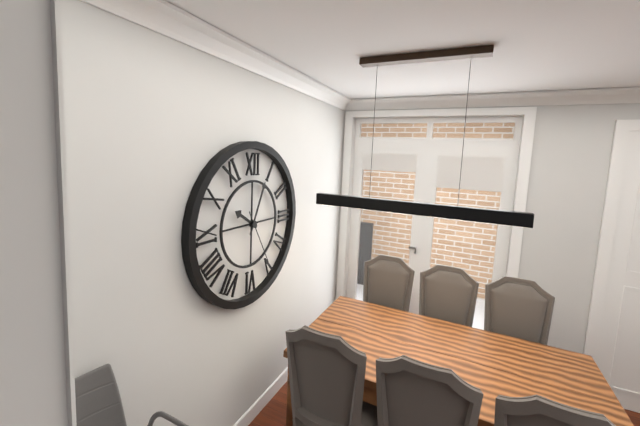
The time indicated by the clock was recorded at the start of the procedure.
10:04:25
